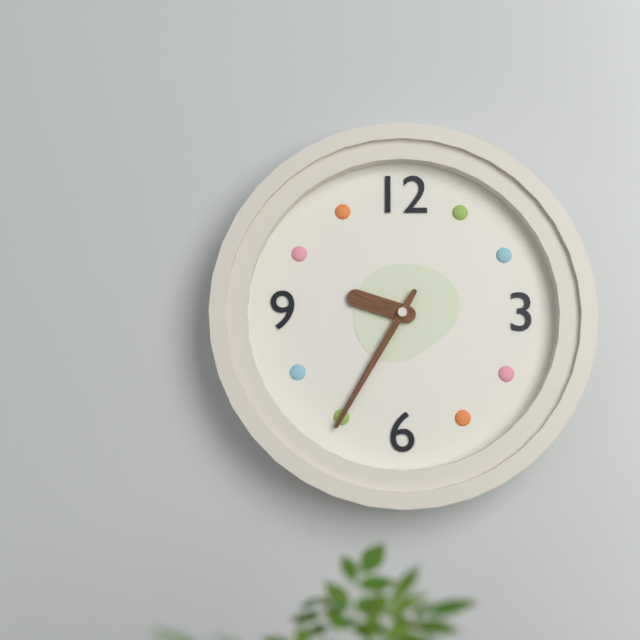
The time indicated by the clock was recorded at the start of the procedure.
9:35
